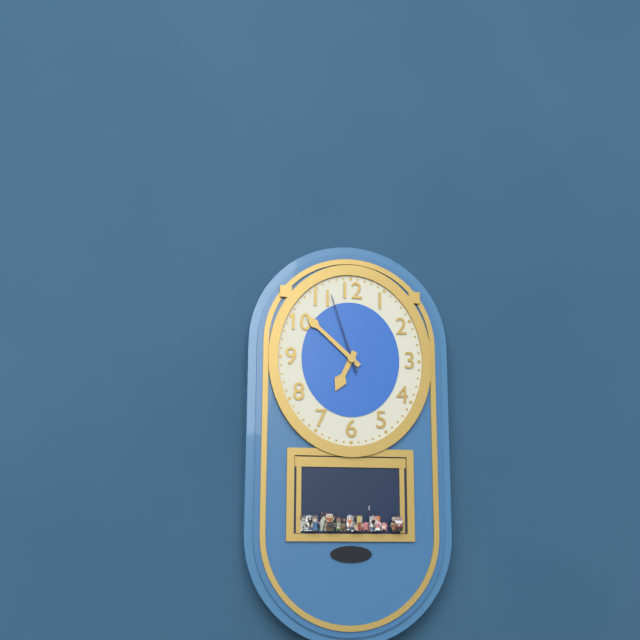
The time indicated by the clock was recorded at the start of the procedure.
6:52:57
